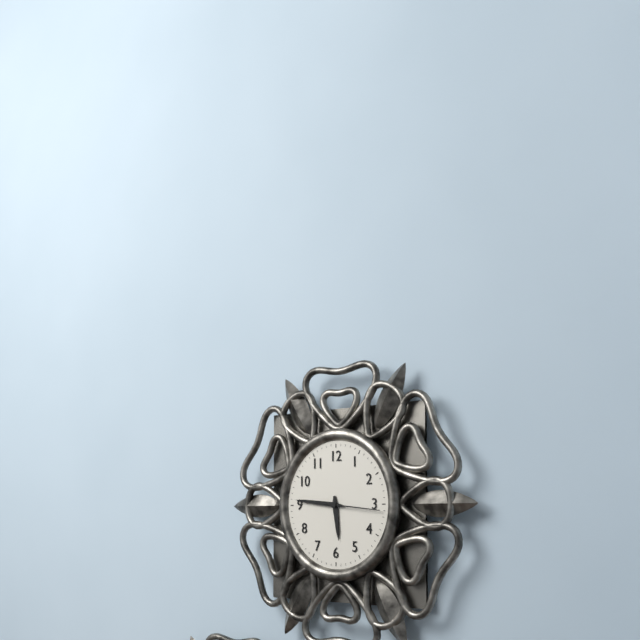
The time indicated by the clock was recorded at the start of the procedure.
5:46:16
